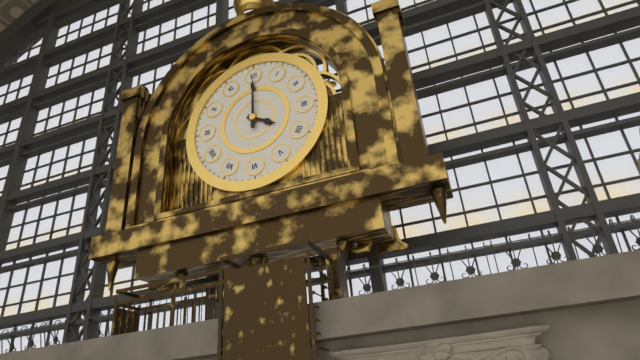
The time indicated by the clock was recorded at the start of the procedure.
4:00
